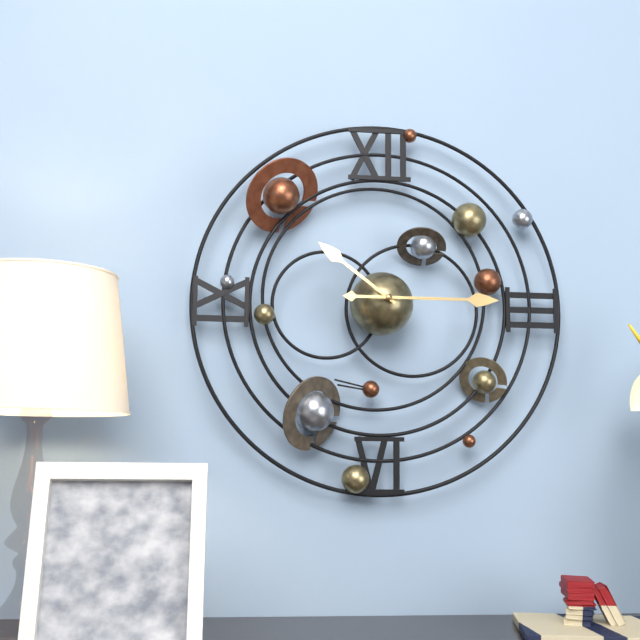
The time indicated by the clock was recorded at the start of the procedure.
10:15
